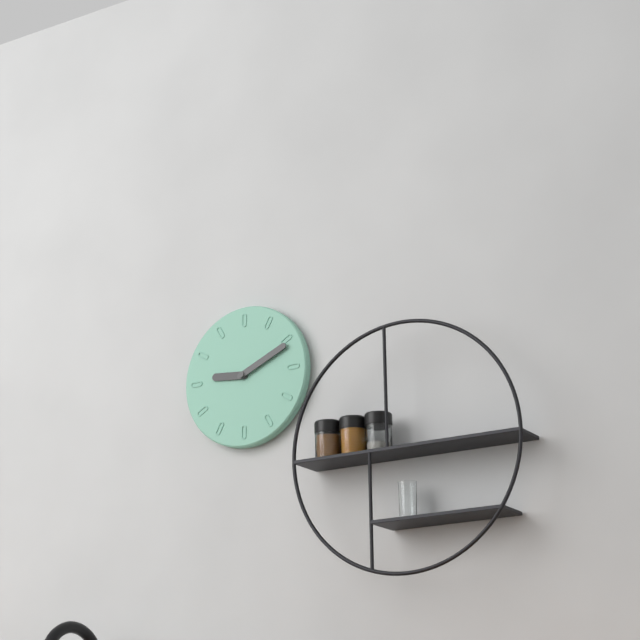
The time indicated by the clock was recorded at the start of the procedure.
9:11
